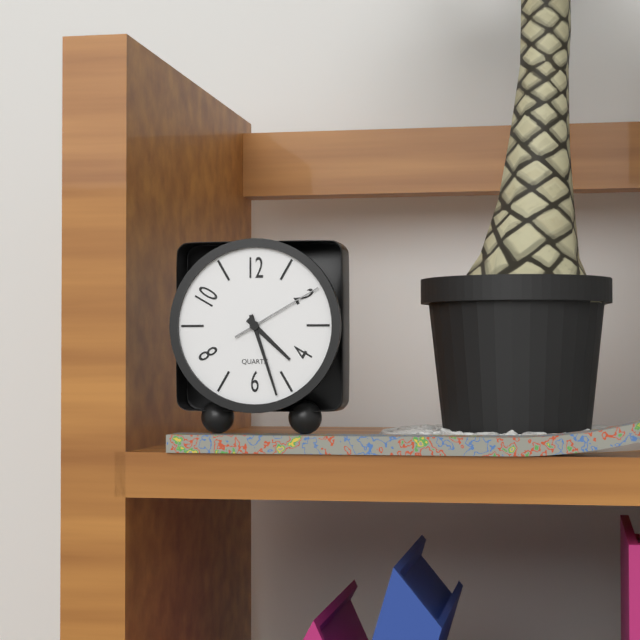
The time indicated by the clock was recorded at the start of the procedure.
4:27:10
